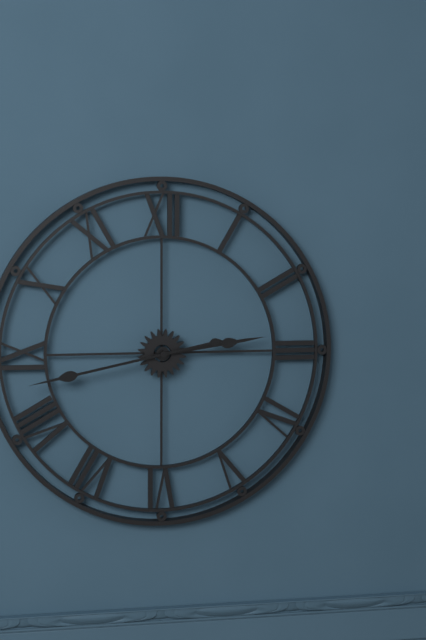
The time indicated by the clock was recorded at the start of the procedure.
2:43
